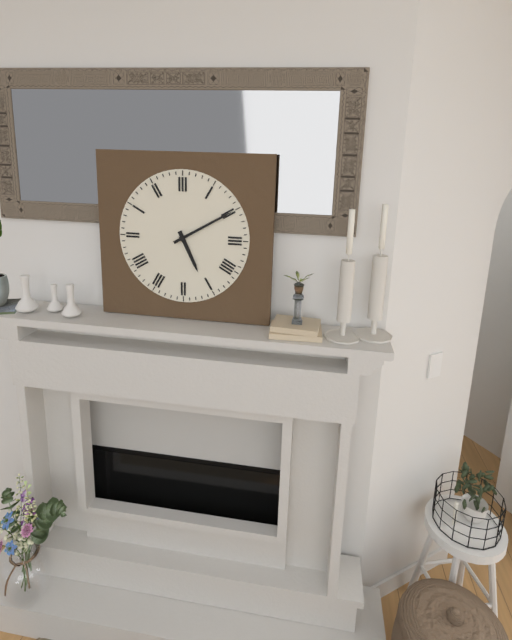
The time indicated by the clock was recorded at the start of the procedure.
5:10
